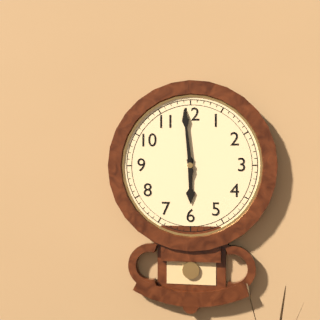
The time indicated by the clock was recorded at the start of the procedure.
5:59
